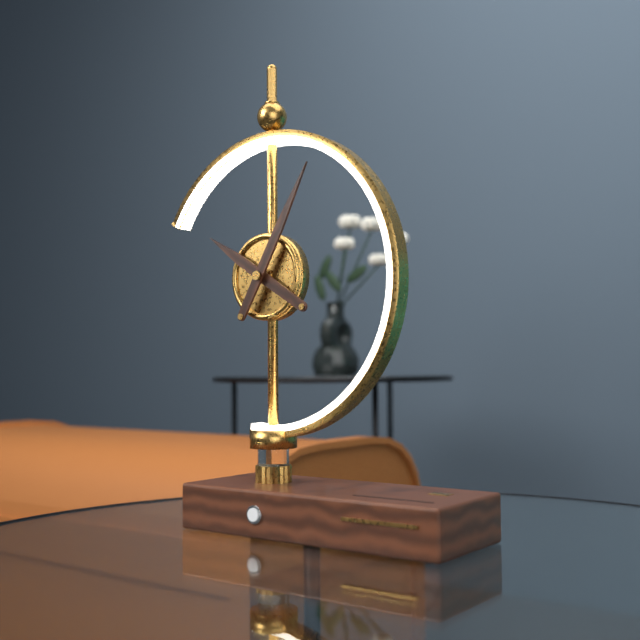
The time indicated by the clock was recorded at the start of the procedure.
10:05
